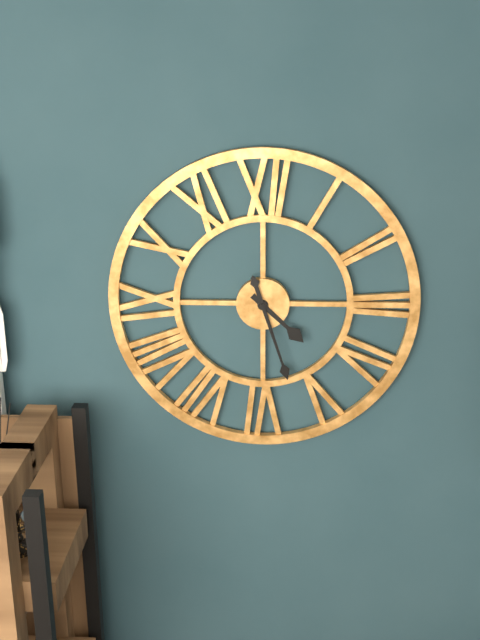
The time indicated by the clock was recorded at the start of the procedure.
4:27
